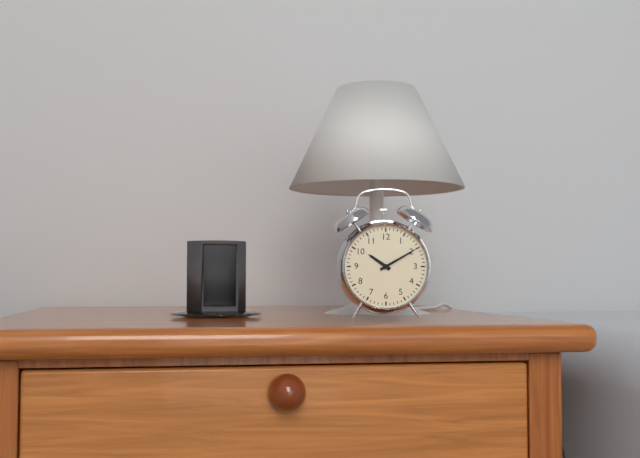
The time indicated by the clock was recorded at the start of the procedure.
10:10
